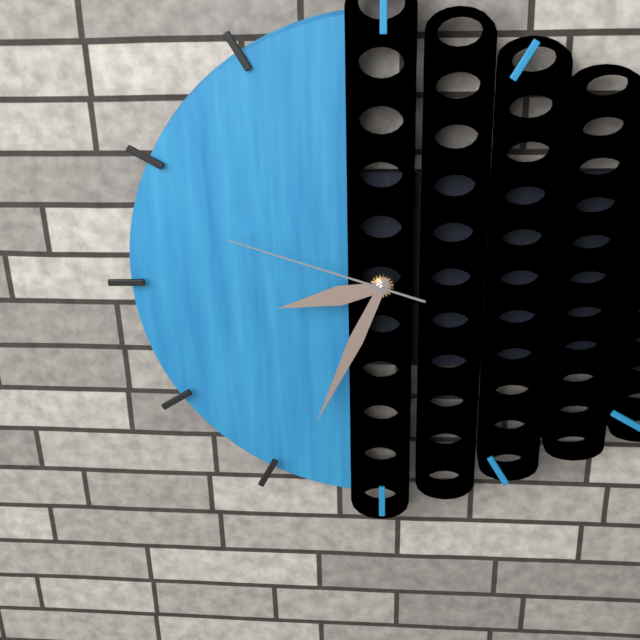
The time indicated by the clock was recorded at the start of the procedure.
8:34:48
